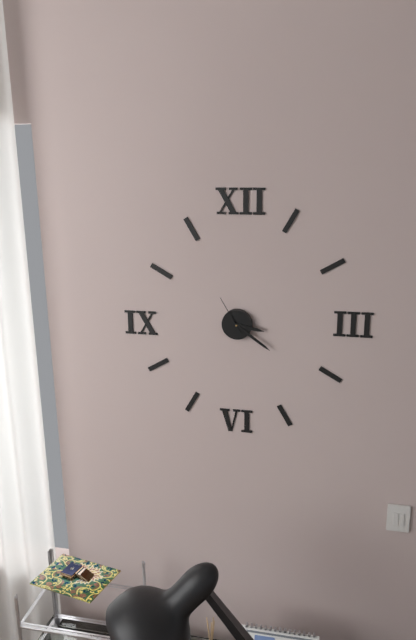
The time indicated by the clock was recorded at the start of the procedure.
3:21
